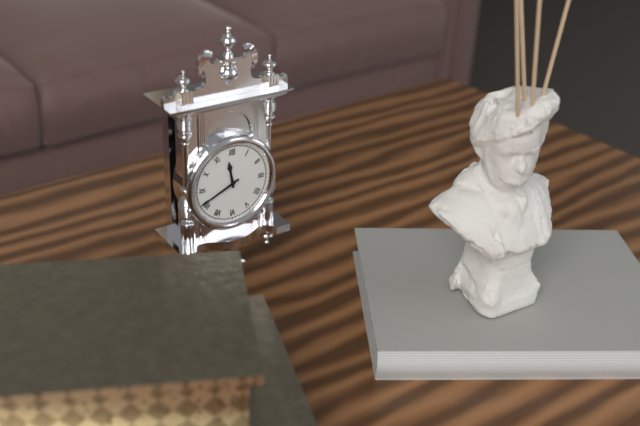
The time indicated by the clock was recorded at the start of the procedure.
11:41
